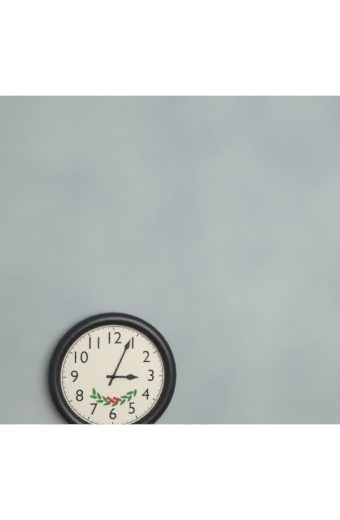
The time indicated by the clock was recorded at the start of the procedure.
3:04
